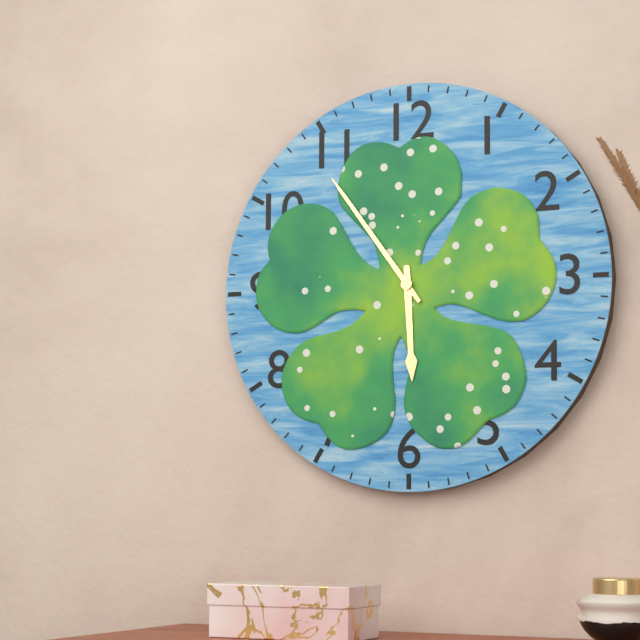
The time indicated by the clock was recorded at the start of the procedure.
5:54
